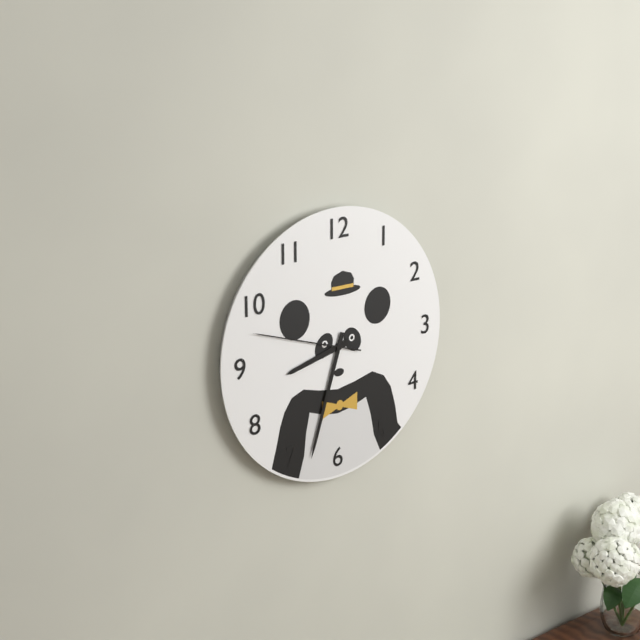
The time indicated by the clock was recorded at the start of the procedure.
8:33:48
